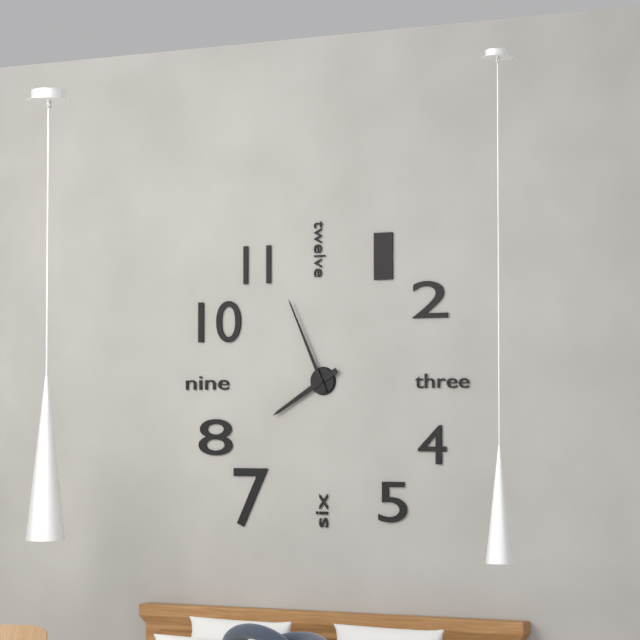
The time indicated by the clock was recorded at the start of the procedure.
7:56
